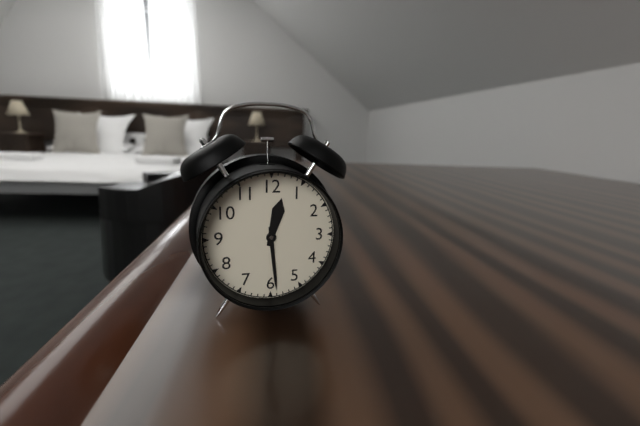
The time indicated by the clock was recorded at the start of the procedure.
12:29
